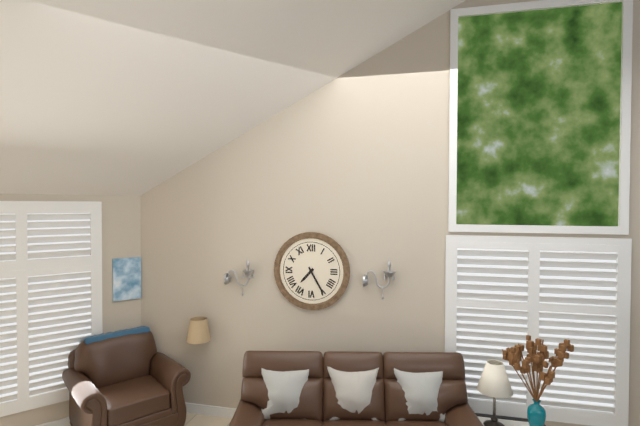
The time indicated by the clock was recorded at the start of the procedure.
7:25
